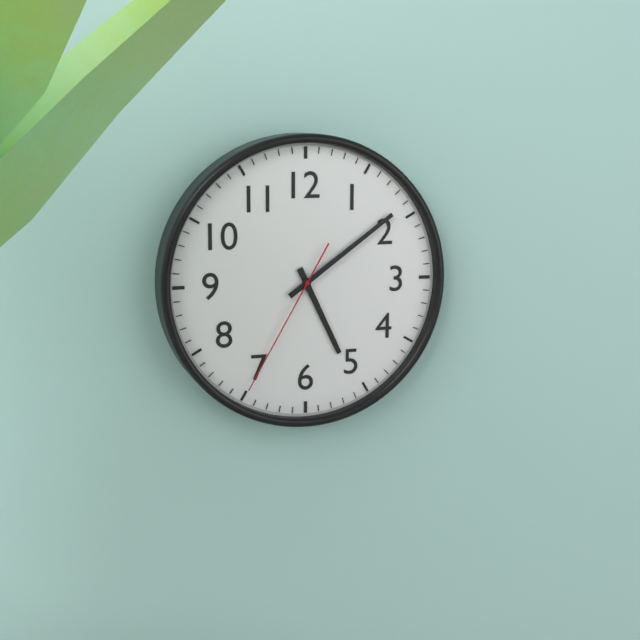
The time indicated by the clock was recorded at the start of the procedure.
5:09:35
